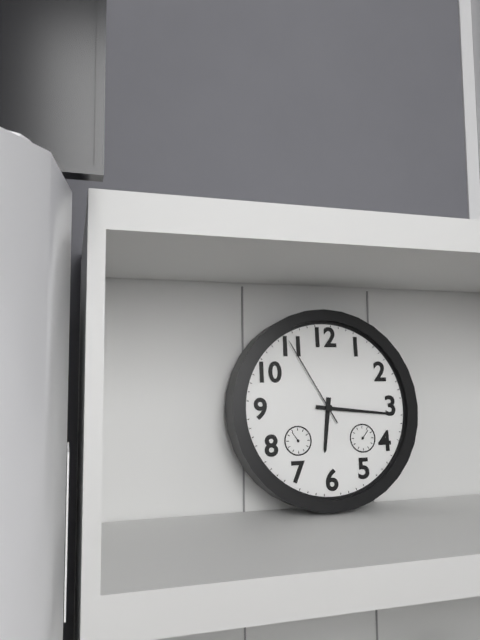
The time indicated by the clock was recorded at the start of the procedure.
6:16:55
